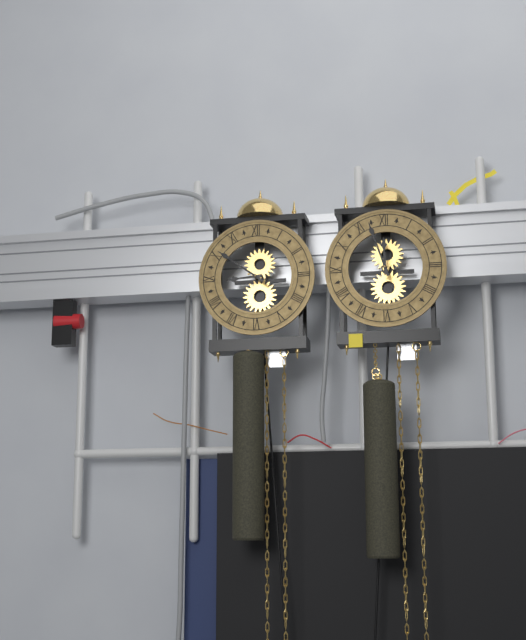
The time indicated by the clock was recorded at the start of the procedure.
8:51
